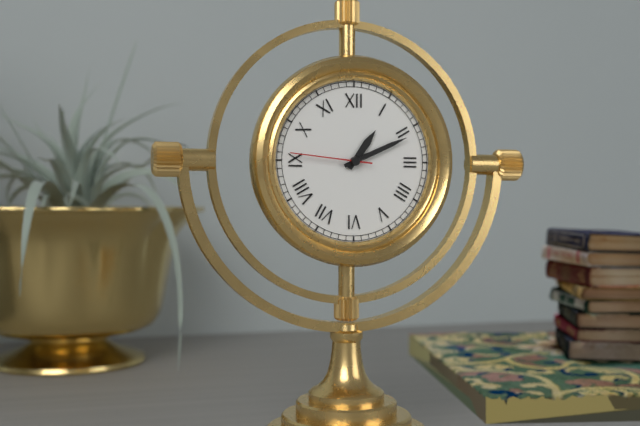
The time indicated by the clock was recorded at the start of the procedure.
1:11:46
